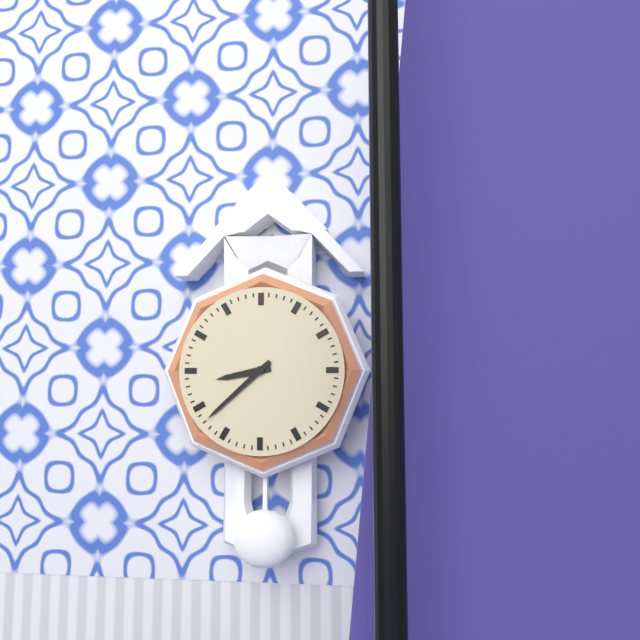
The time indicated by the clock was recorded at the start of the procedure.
8:38
